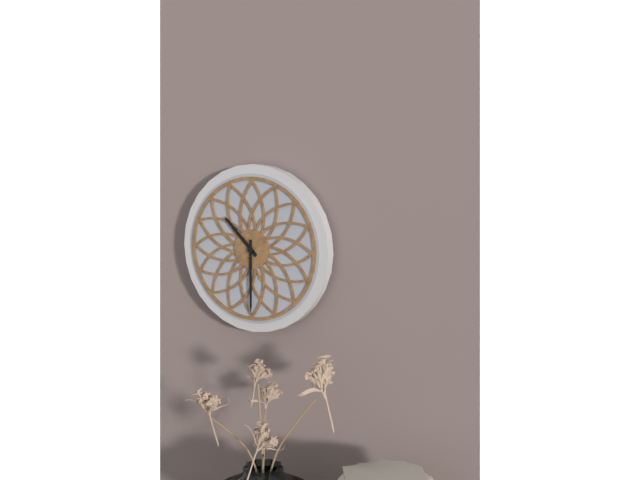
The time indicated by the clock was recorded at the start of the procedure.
10:30
